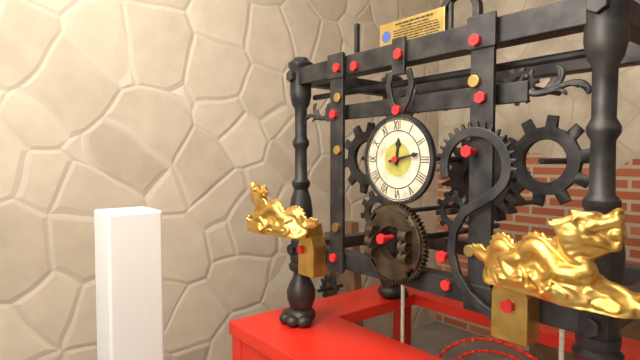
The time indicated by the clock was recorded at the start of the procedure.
12:13
